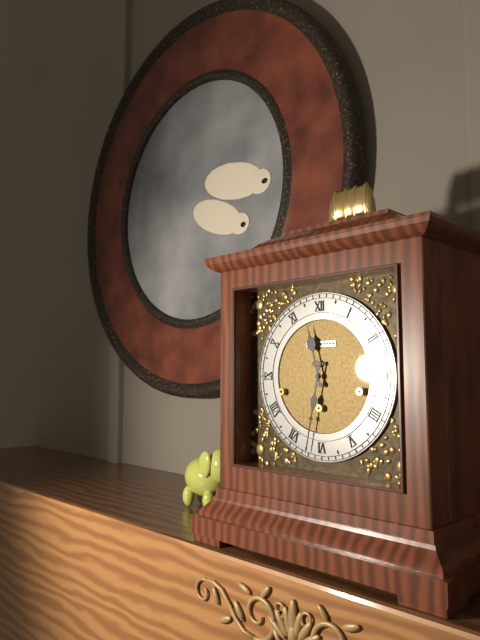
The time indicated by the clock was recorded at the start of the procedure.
11:32
